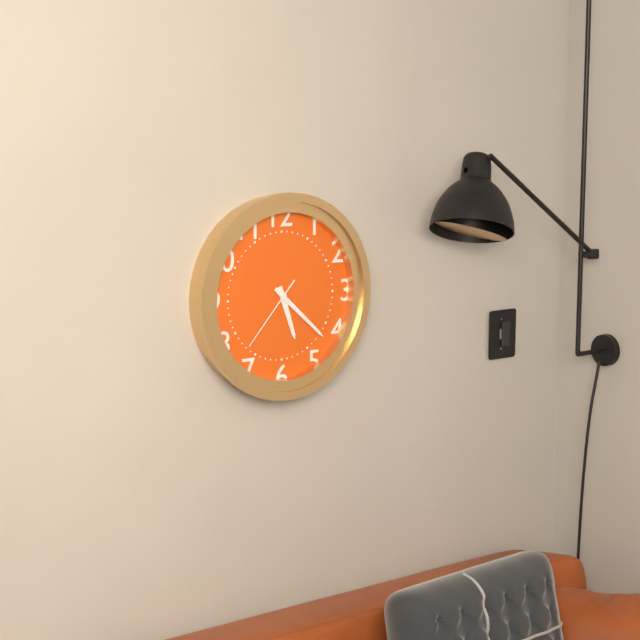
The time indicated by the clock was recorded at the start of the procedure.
5:22:37
